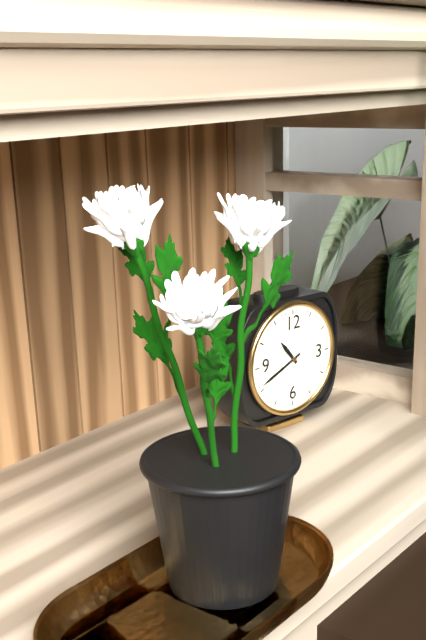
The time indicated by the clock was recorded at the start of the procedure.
10:41
